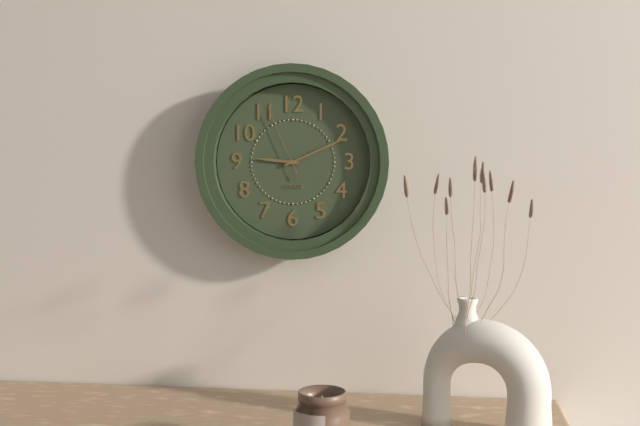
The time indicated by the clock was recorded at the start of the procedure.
9:11:56
